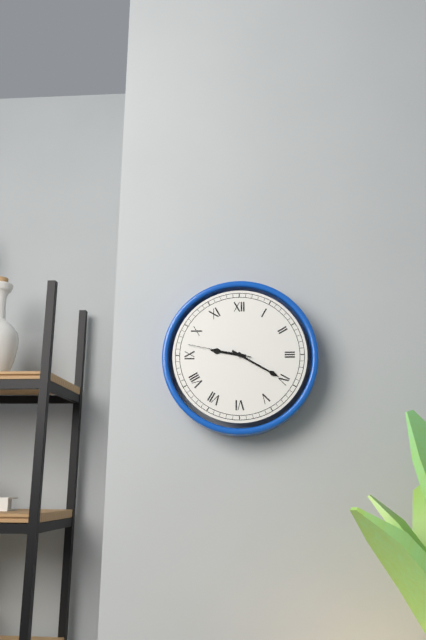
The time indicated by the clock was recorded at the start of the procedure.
9:20:47
